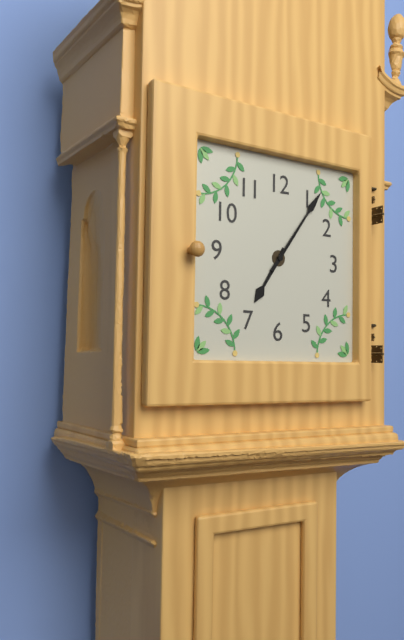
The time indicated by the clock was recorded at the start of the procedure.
7:06
